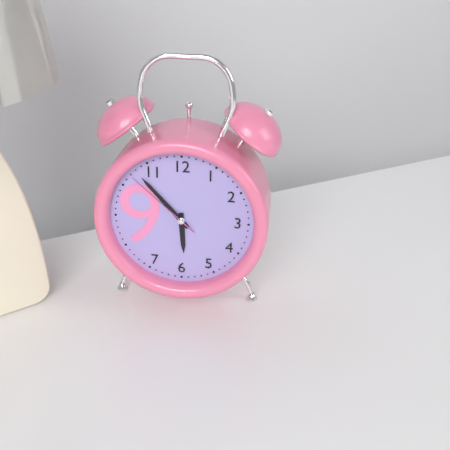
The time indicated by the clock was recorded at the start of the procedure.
5:53:52
